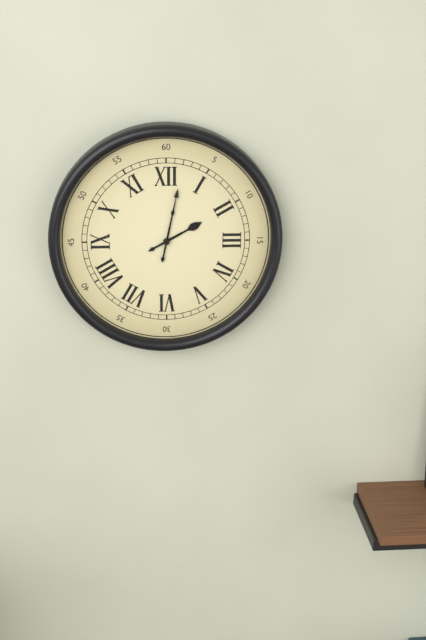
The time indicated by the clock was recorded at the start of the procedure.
2:02
